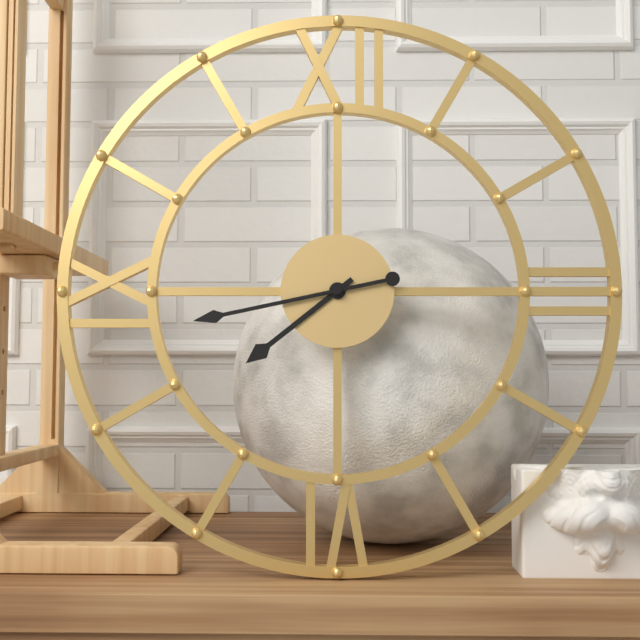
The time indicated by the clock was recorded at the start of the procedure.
7:43
